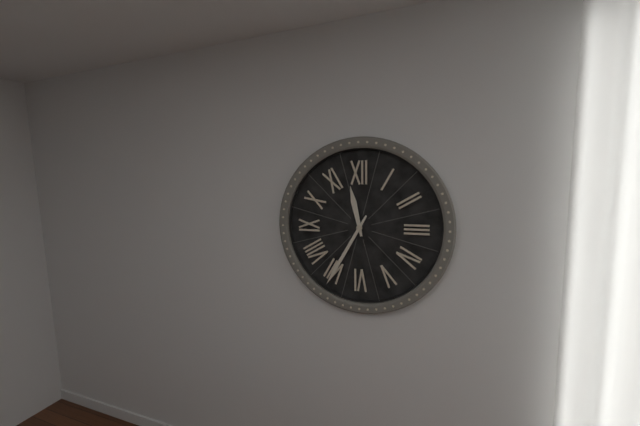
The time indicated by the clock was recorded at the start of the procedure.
11:35
